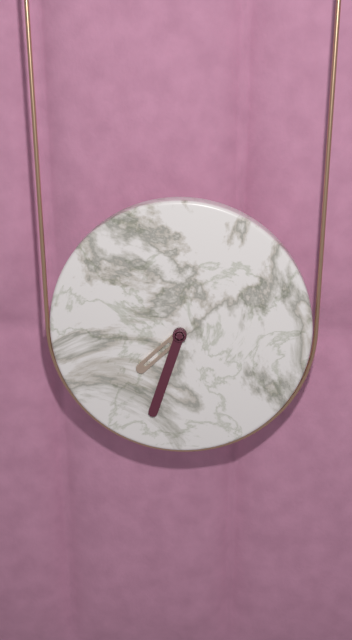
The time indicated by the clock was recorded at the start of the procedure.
7:33
